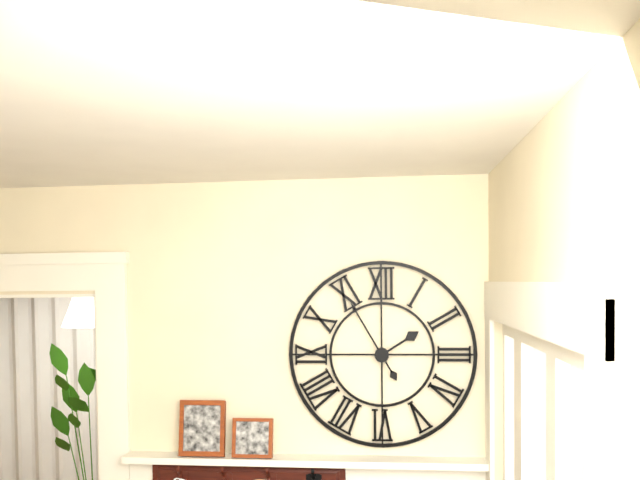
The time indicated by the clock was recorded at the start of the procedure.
1:55
